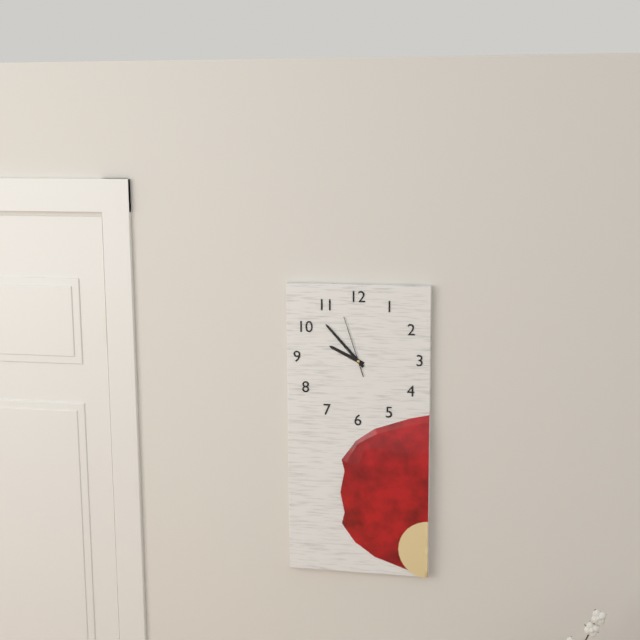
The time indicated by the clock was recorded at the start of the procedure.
9:53:57
